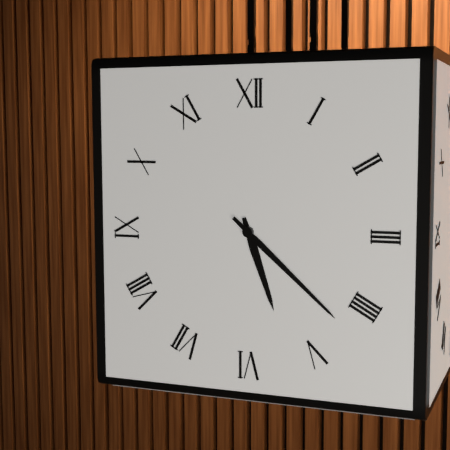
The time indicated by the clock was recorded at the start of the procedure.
5:22
